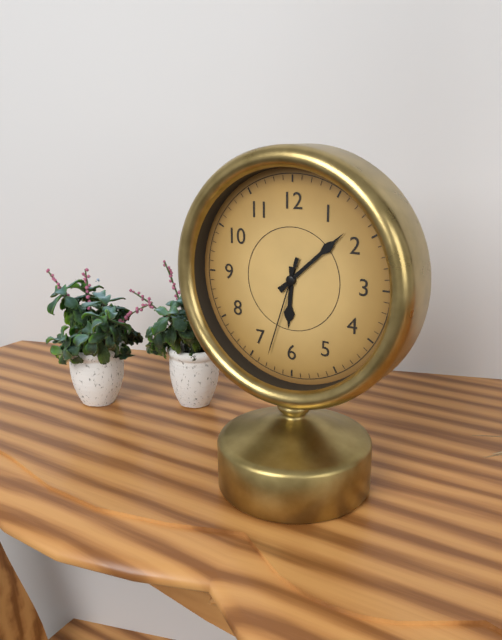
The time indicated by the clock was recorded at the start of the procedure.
6:08:33
